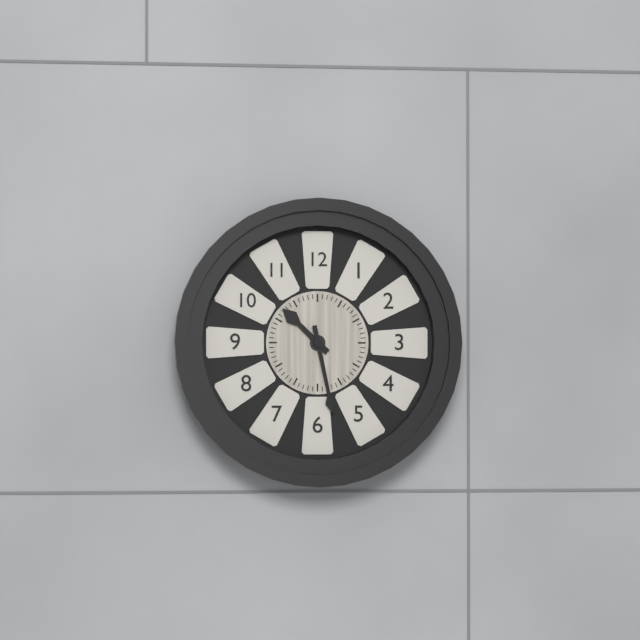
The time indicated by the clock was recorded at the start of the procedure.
10:28
